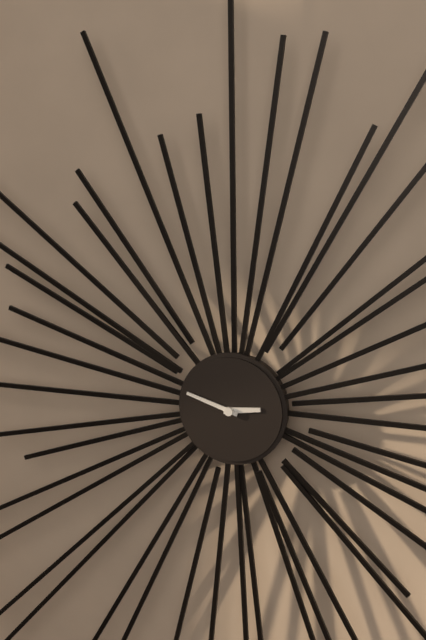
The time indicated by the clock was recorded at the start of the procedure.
2:48
